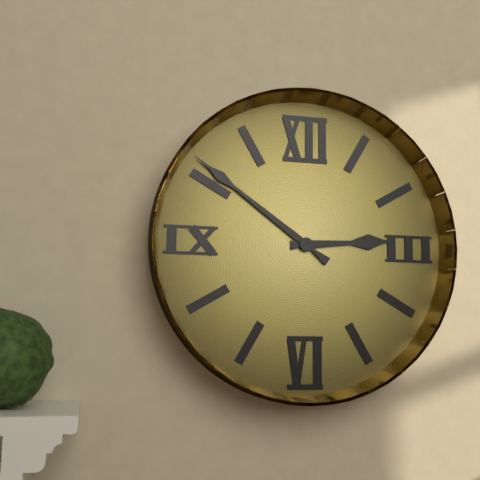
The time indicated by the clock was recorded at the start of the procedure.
2:51
